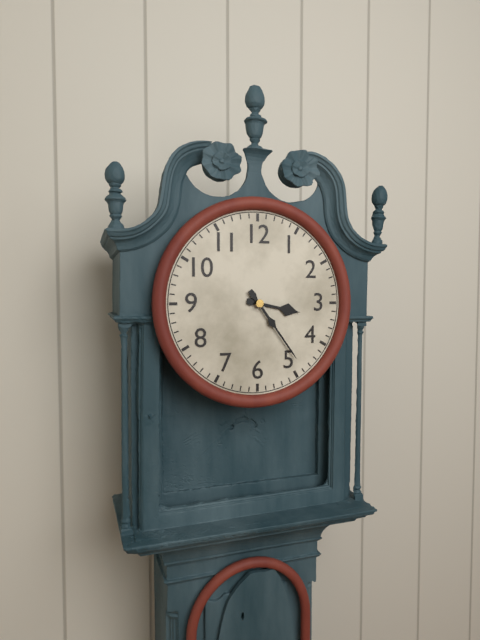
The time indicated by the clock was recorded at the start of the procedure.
3:24
